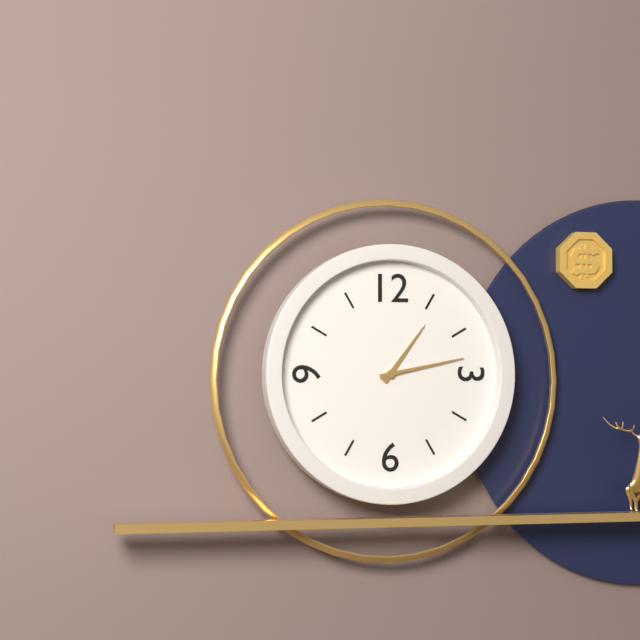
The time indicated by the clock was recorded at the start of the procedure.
1:13
